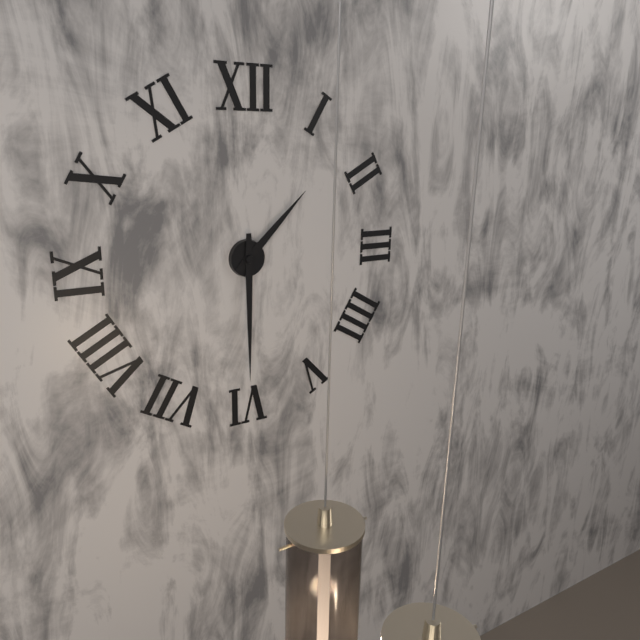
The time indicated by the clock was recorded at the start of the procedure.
1:30
